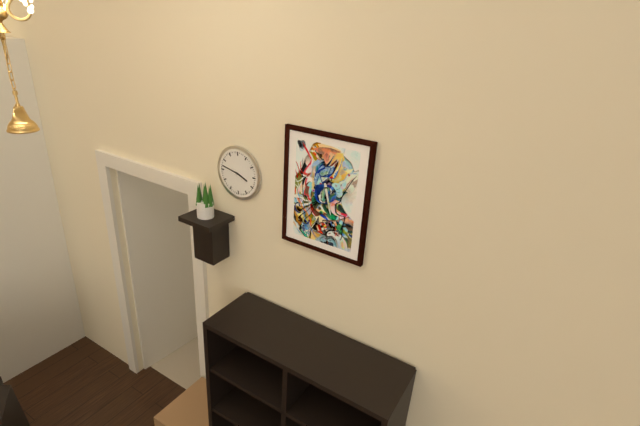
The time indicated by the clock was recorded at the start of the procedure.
3:47
